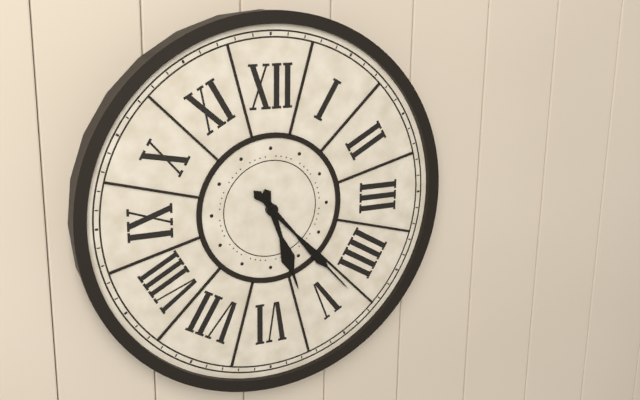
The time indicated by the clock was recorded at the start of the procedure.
5:23
